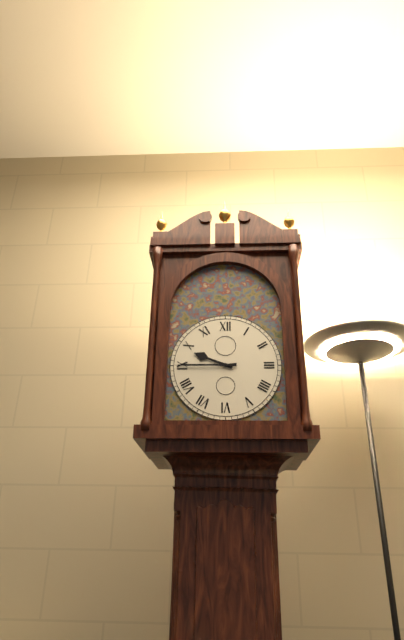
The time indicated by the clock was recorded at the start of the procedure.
9:45
